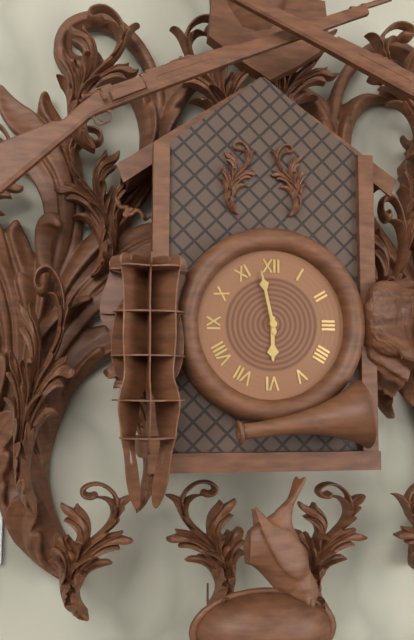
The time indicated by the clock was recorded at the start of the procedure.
5:58
